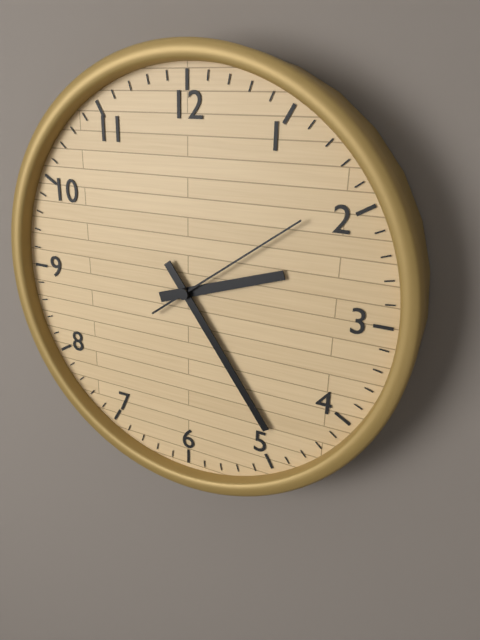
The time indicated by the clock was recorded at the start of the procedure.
2:24:09
